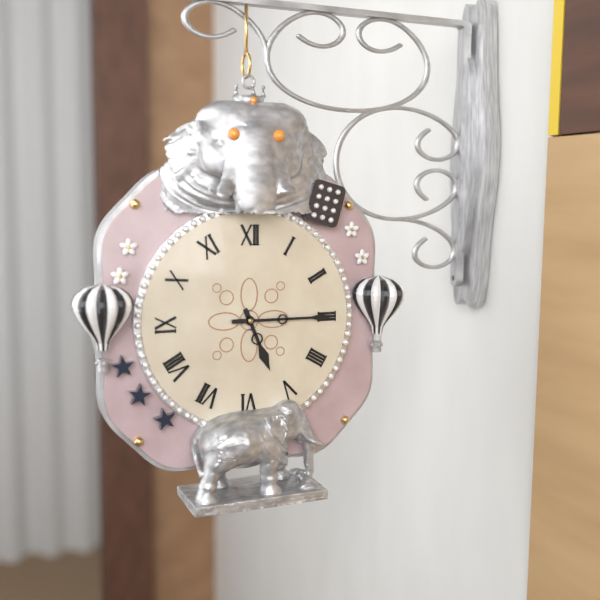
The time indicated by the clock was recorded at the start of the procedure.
5:15
